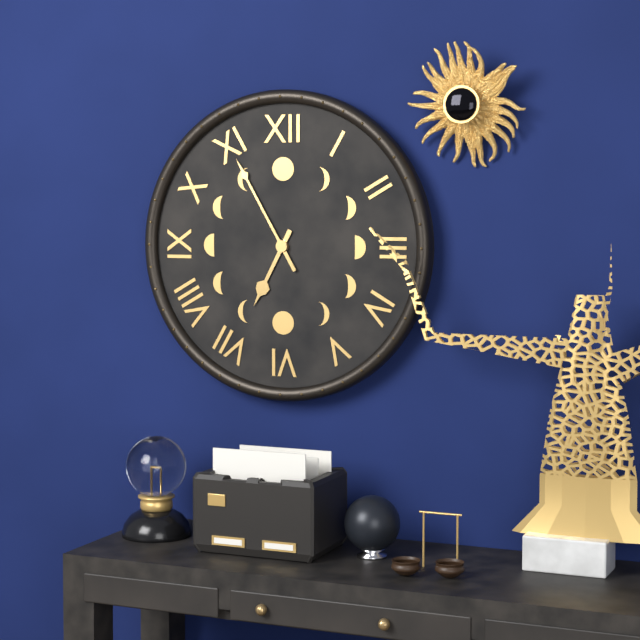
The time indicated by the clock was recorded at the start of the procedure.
6:55
